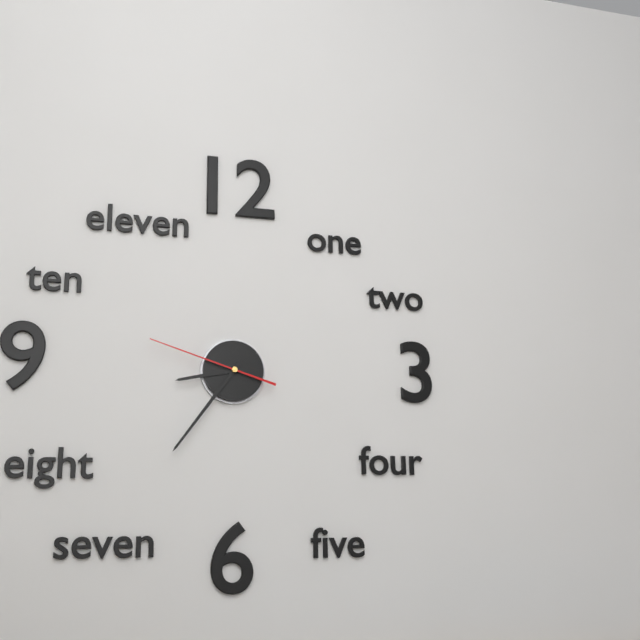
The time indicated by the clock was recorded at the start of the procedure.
8:36:48
